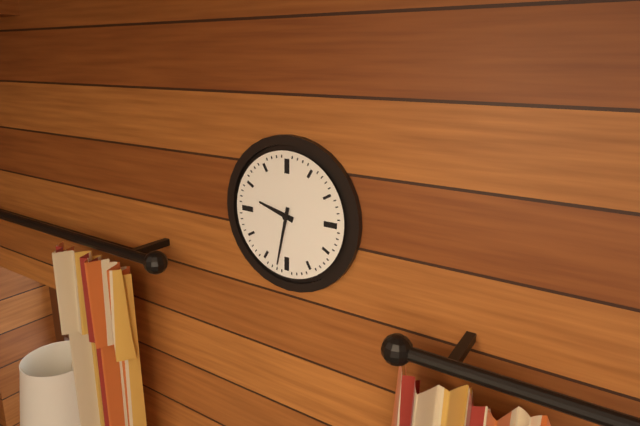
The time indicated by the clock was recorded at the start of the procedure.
9:32
